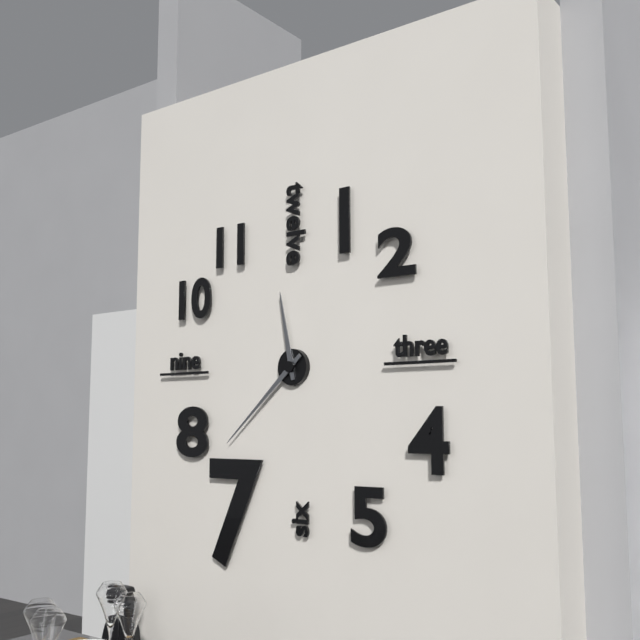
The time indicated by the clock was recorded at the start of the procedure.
11:38
